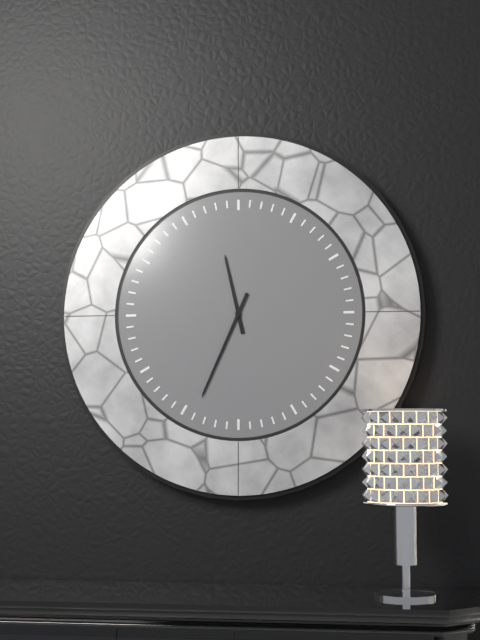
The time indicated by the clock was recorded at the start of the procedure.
11:34
